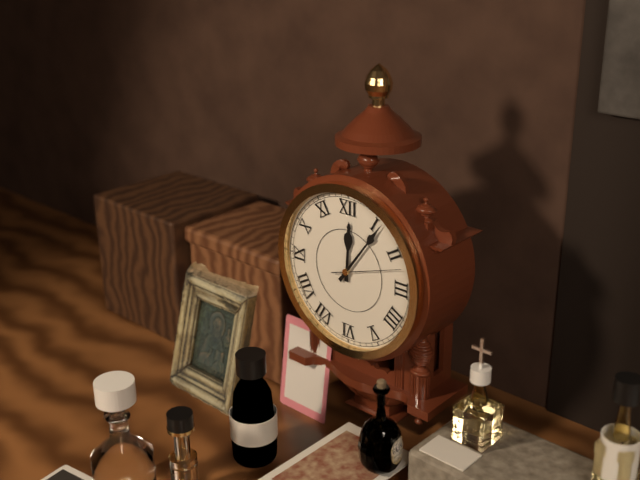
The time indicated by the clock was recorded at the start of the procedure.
12:06:12
